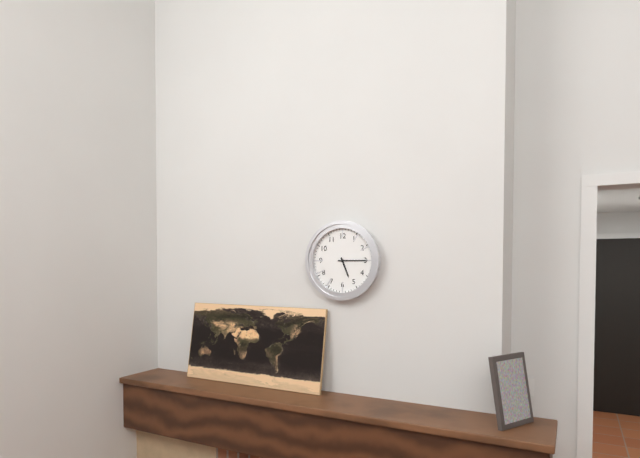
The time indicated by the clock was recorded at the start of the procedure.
5:15
